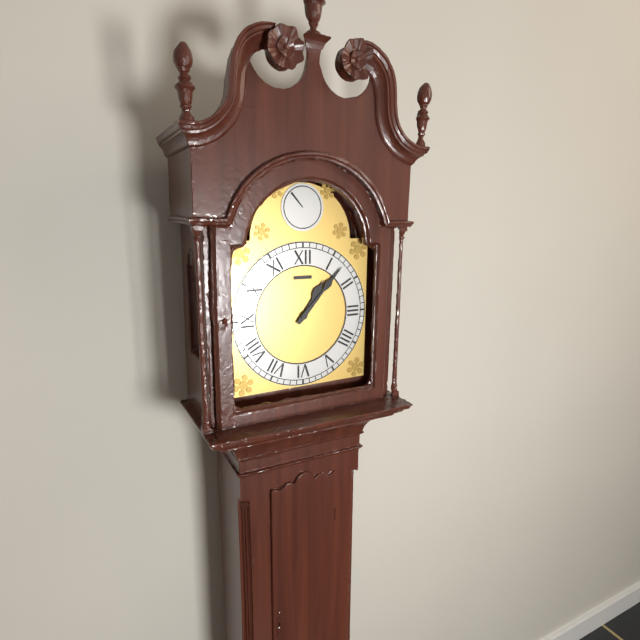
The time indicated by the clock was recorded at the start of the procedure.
1:07
